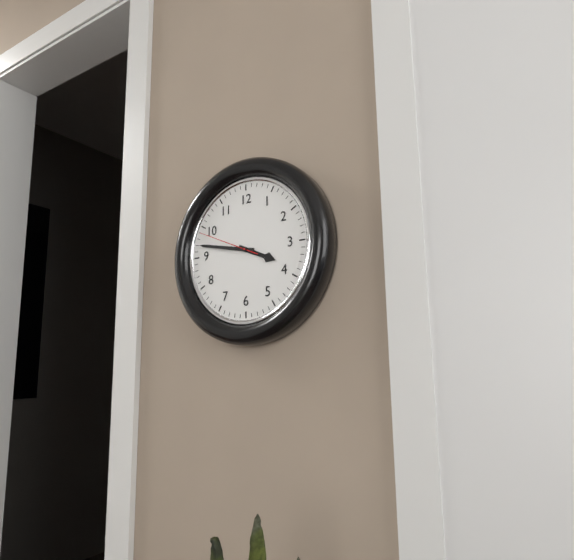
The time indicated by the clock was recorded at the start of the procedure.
3:47:49
